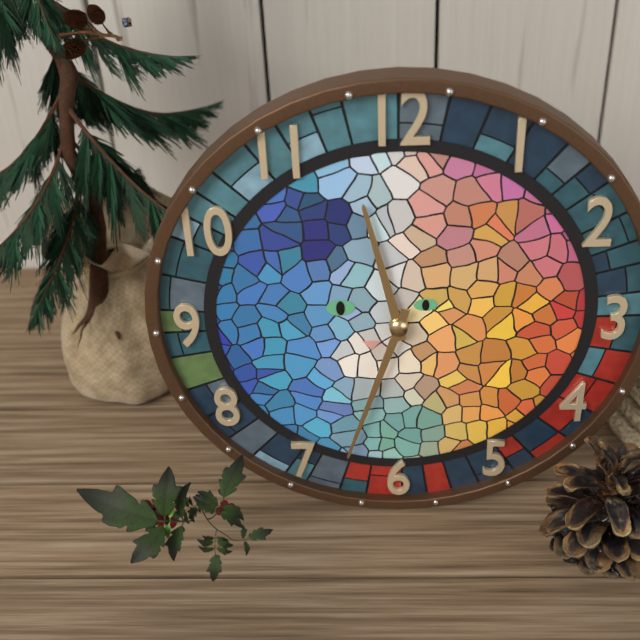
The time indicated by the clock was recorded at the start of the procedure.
11:33
